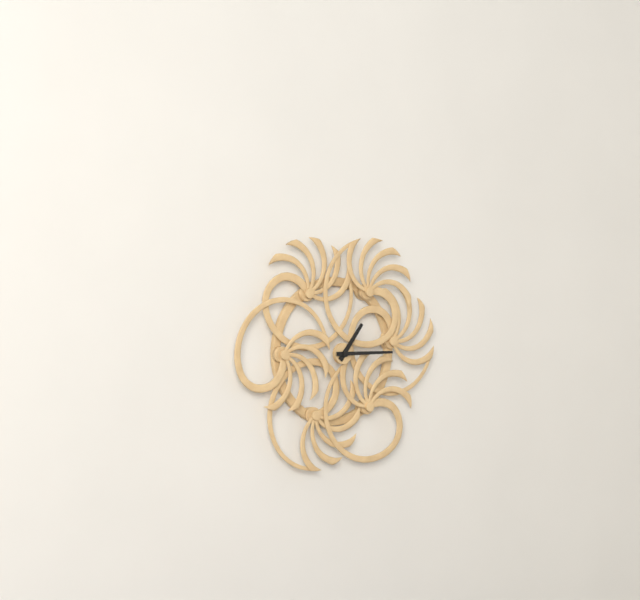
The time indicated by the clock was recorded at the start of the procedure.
1:15
